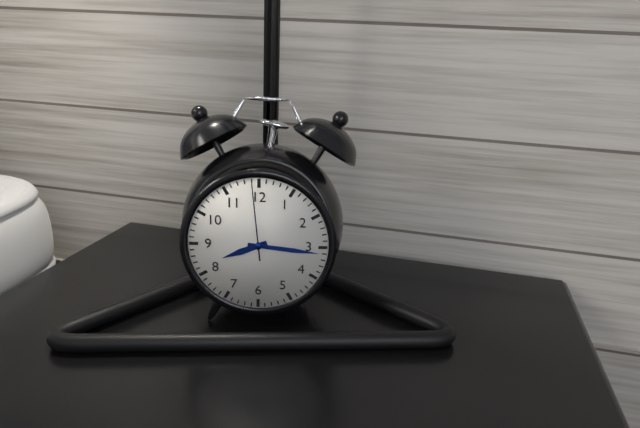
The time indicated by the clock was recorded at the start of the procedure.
8:16:59
